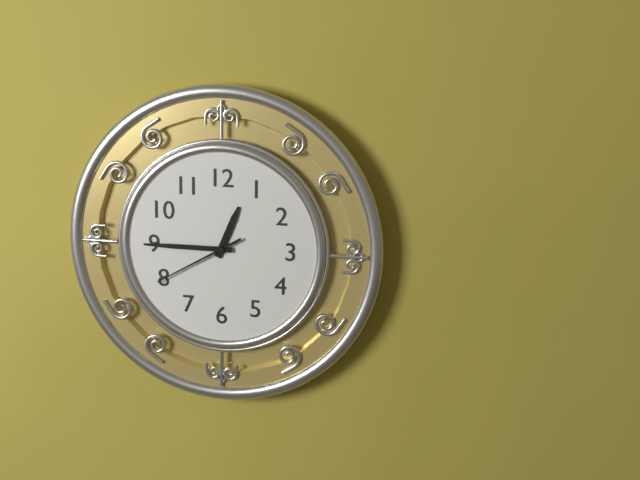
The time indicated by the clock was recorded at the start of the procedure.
12:45:40
